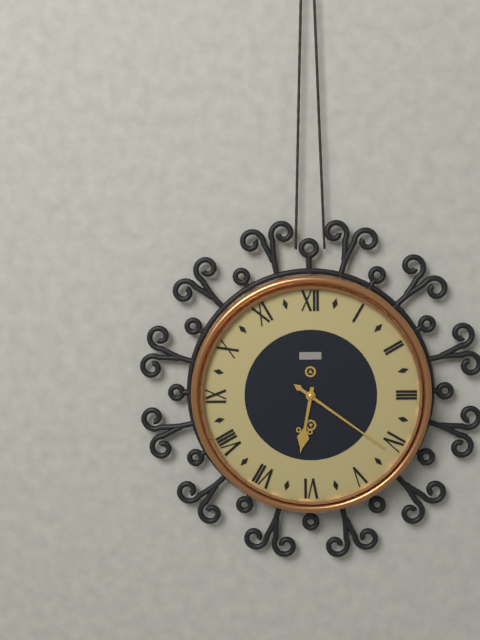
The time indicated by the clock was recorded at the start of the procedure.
6:21
